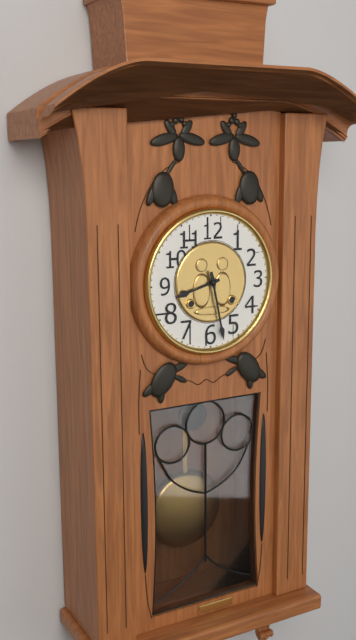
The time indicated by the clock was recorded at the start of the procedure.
8:28
